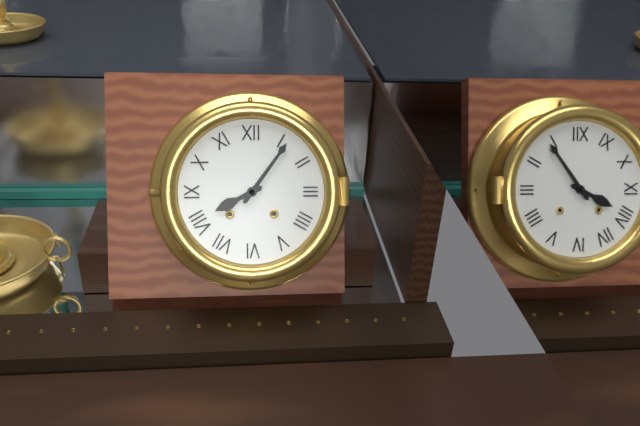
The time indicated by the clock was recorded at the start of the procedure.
8:06
